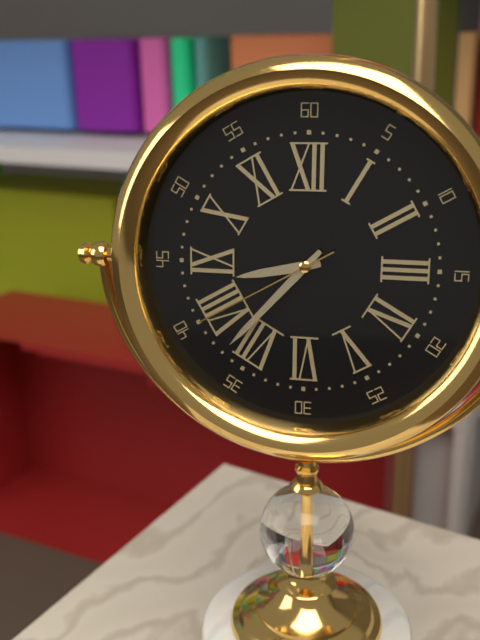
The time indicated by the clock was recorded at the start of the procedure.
8:37:40
